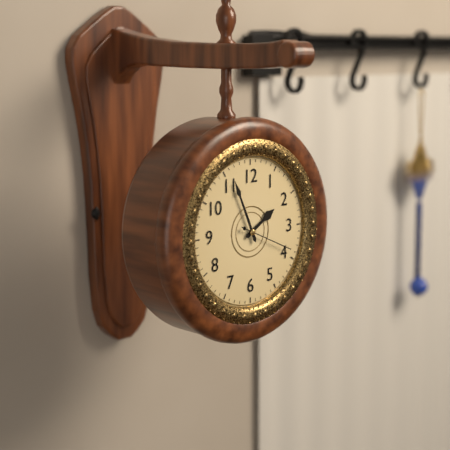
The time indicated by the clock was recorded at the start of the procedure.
1:56:19
